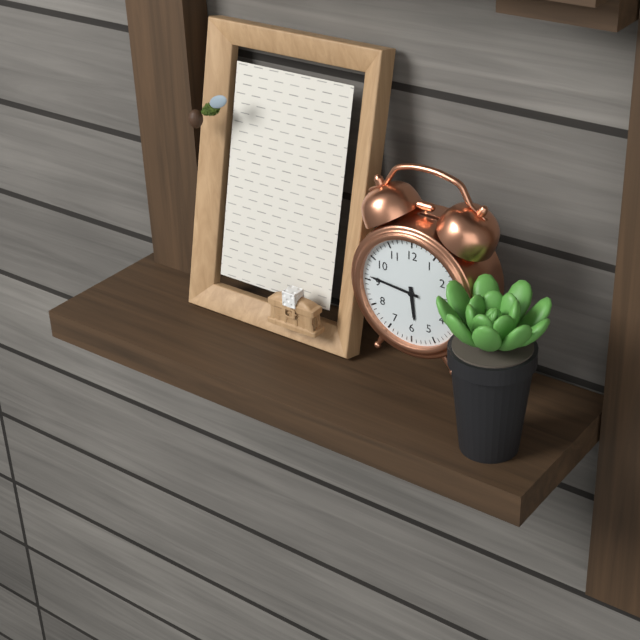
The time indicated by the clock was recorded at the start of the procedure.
5:46
